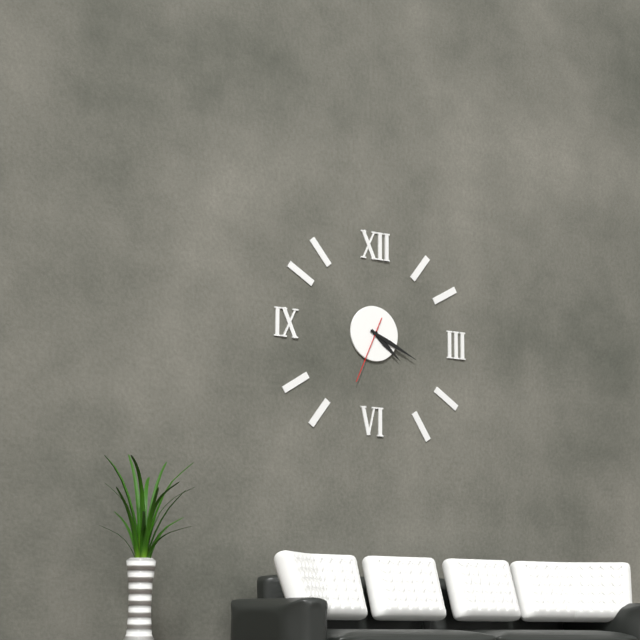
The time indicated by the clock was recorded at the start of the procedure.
4:19:34
